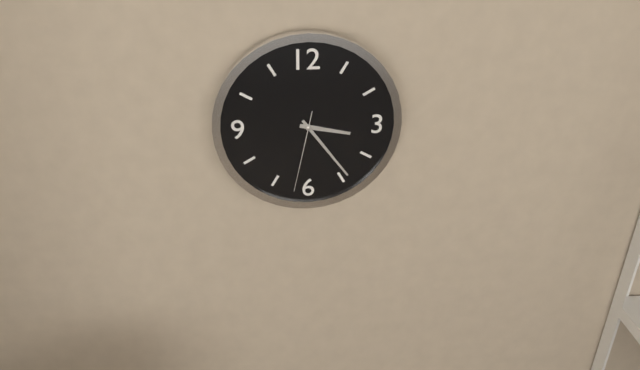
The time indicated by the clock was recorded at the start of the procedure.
3:24:32
